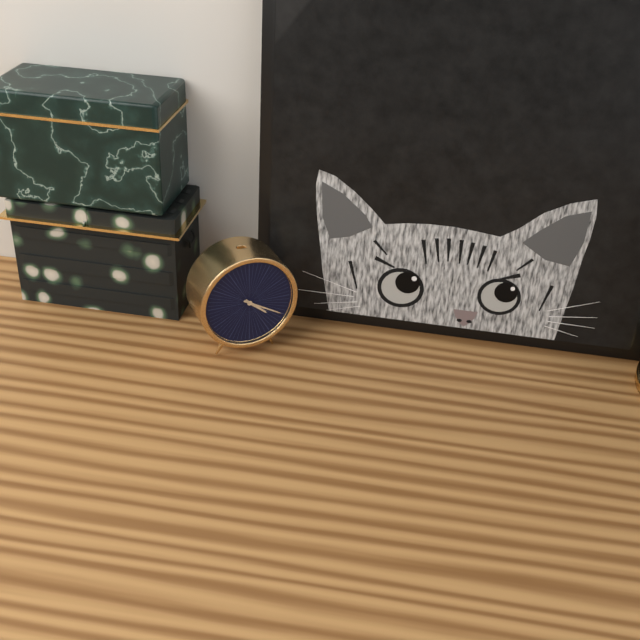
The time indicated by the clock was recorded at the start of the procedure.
4:20
